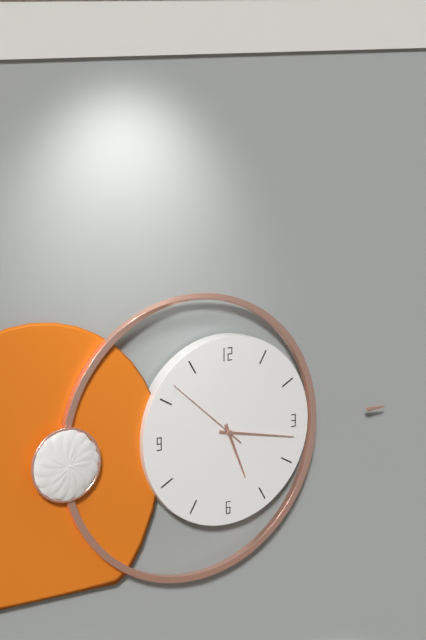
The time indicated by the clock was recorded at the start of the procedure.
5:17:52
